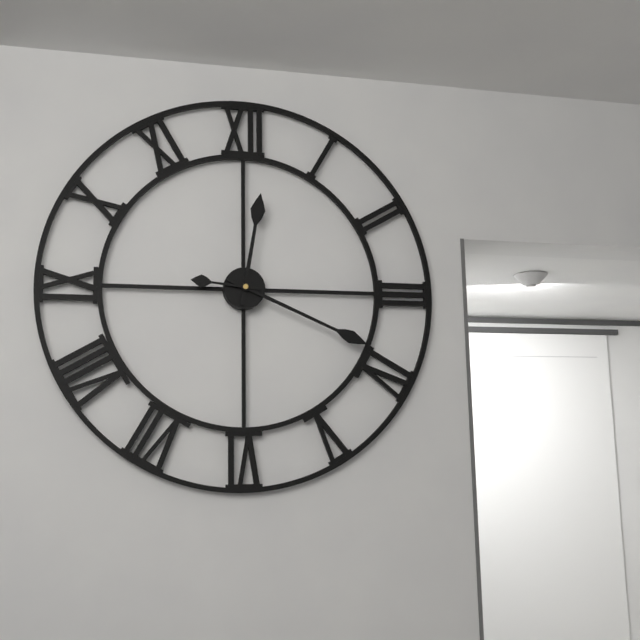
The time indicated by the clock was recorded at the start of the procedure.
12:19:46
